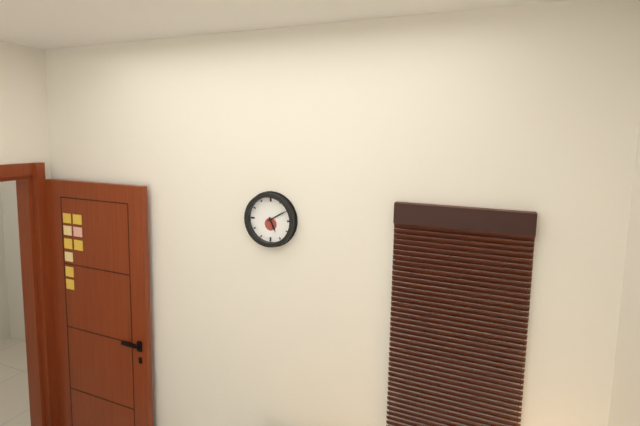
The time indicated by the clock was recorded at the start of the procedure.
5:10
